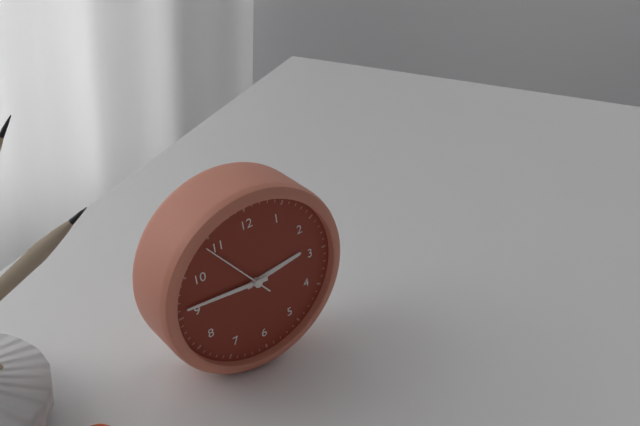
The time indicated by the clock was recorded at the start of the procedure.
2:46
